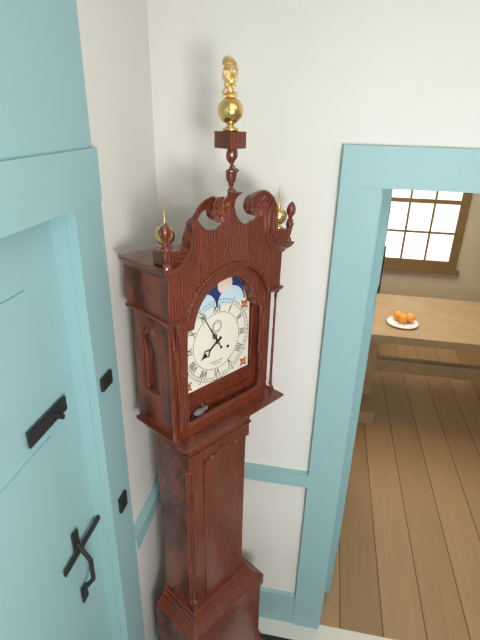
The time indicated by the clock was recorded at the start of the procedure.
7:55
